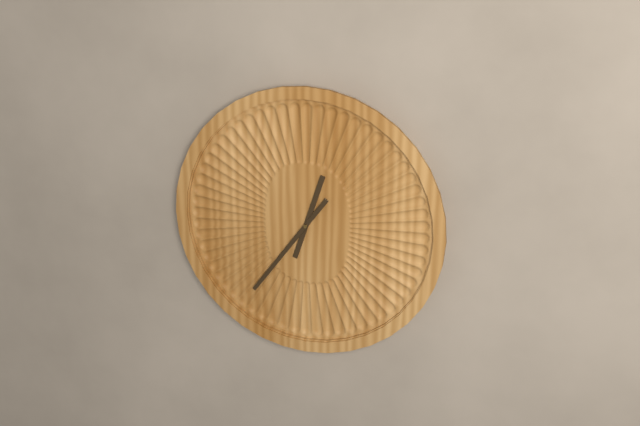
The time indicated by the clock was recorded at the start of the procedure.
12:36
